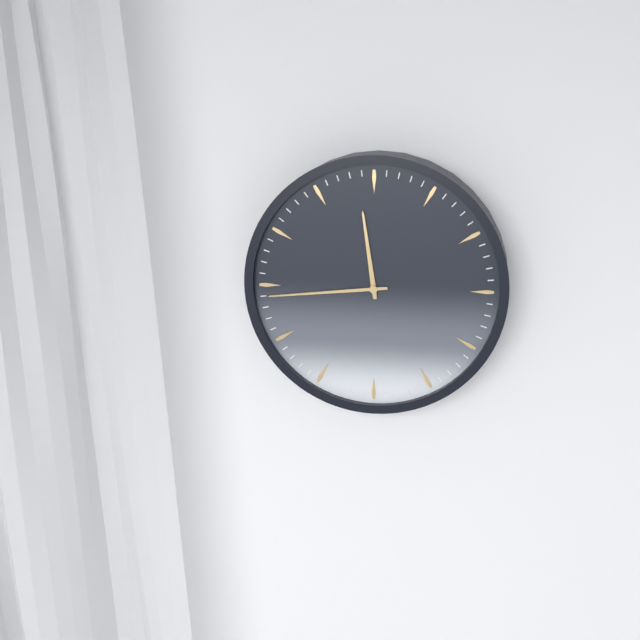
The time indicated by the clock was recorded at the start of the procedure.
11:44
